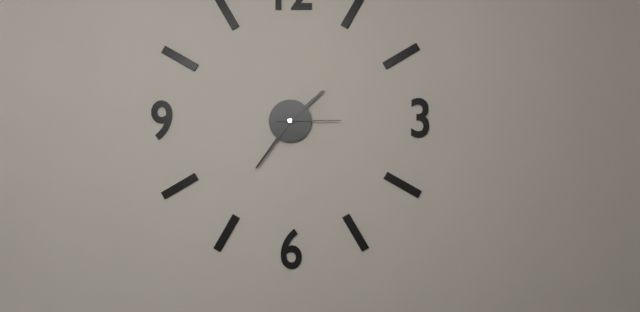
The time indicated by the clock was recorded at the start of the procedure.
1:36:15
